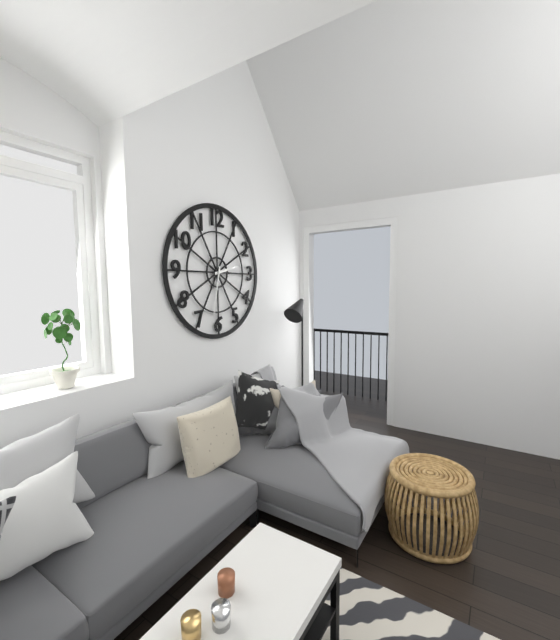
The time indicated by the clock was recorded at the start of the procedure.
2:32
